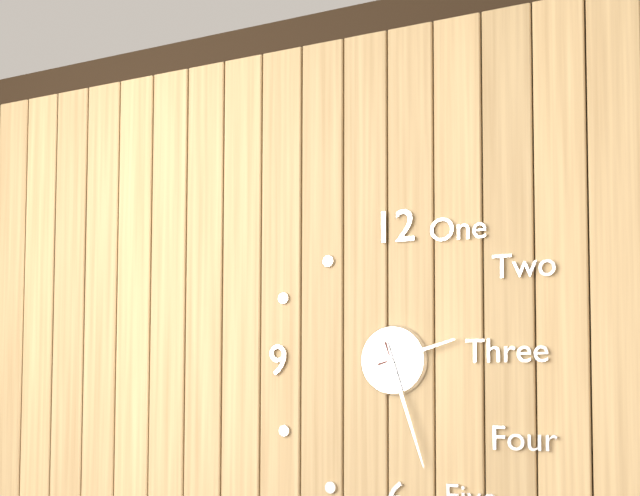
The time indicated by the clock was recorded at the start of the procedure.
2:27
